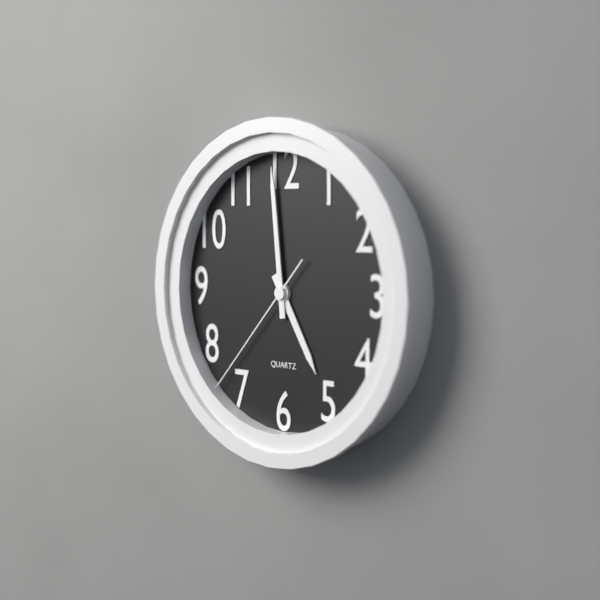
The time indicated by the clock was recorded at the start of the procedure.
4:59:37
